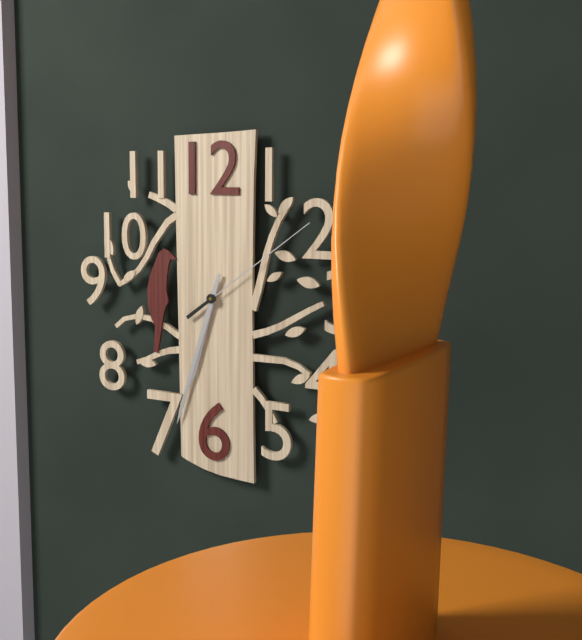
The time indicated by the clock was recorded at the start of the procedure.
6:33:09
